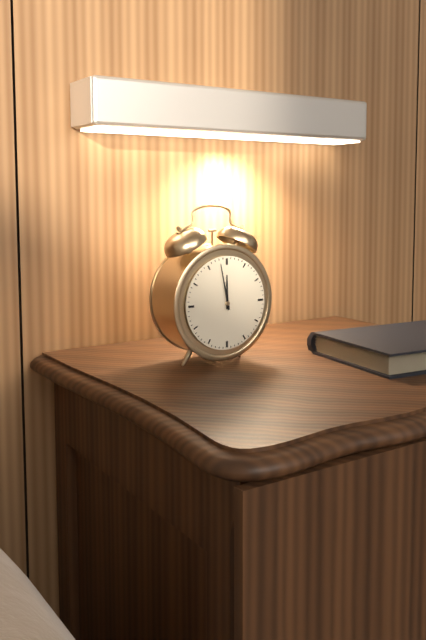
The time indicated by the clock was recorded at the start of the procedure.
11:58
